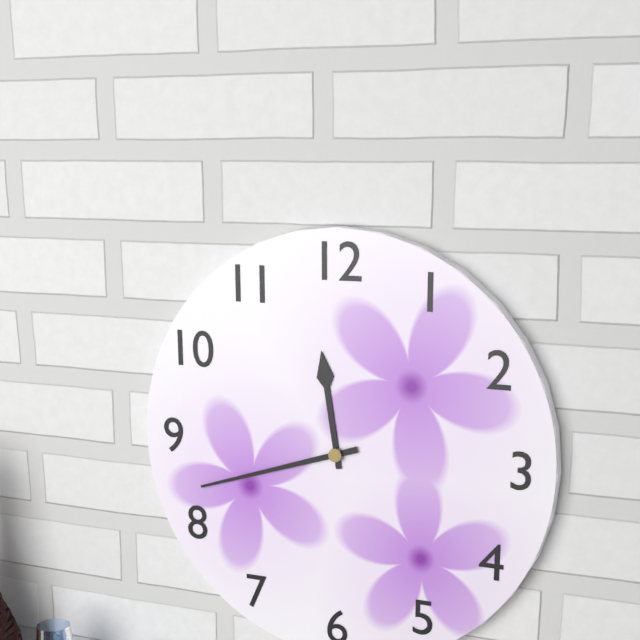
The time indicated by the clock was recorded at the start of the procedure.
11:42
